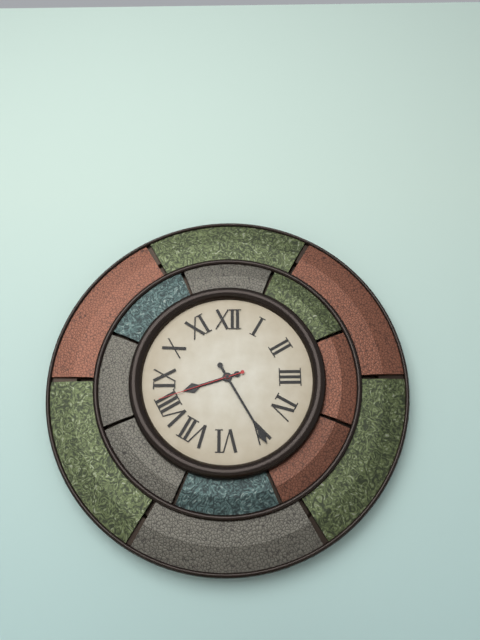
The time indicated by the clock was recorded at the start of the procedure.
8:25:42
